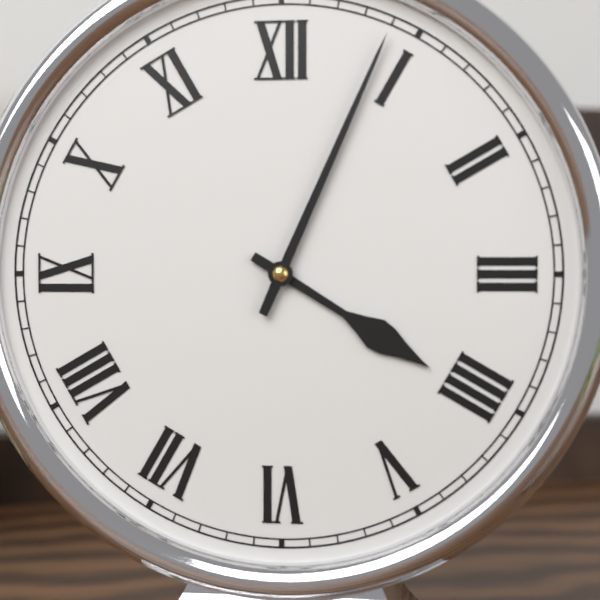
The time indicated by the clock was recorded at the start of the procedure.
4:04
